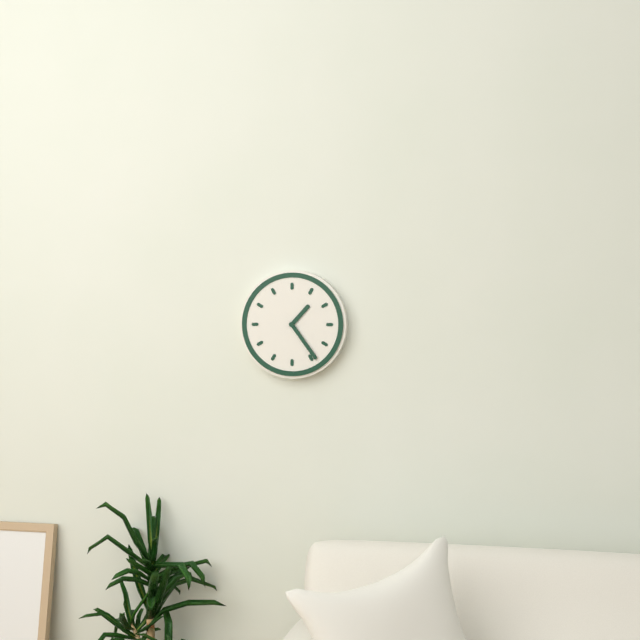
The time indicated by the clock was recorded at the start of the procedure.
1:24
